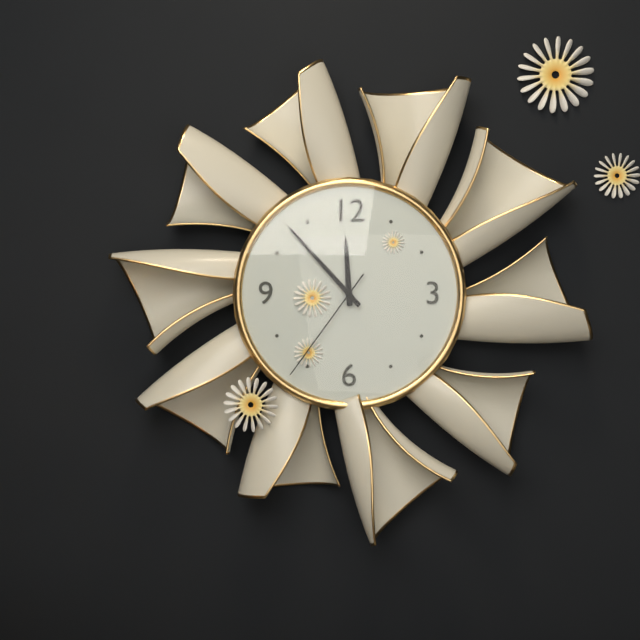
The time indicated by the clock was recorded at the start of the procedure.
11:53:36
